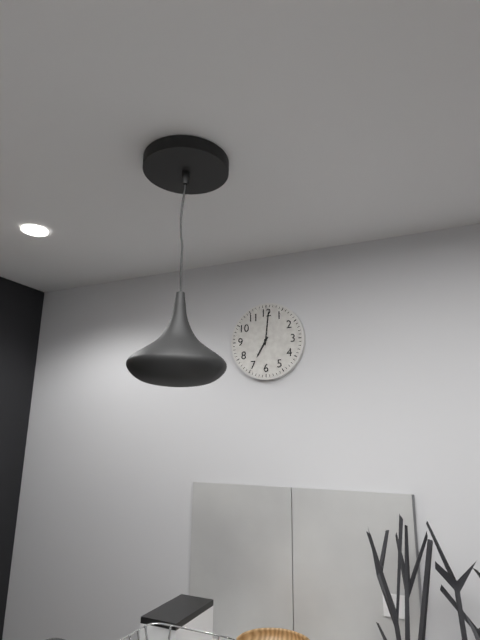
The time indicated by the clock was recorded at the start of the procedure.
7:01
